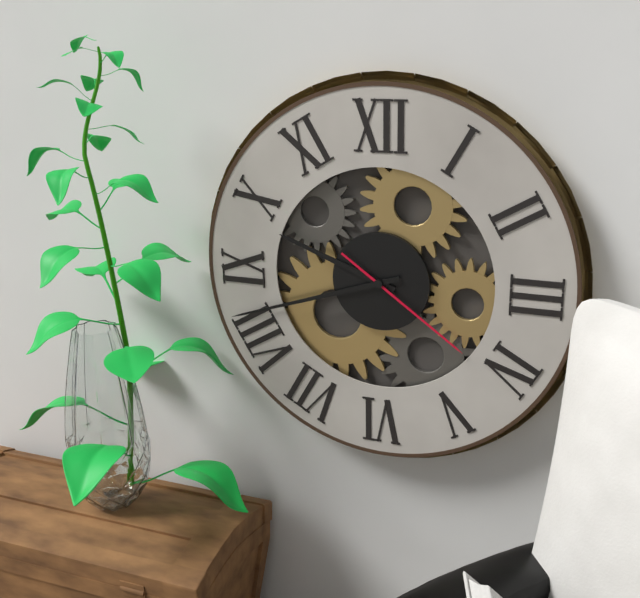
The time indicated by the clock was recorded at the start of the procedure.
9:42:21
